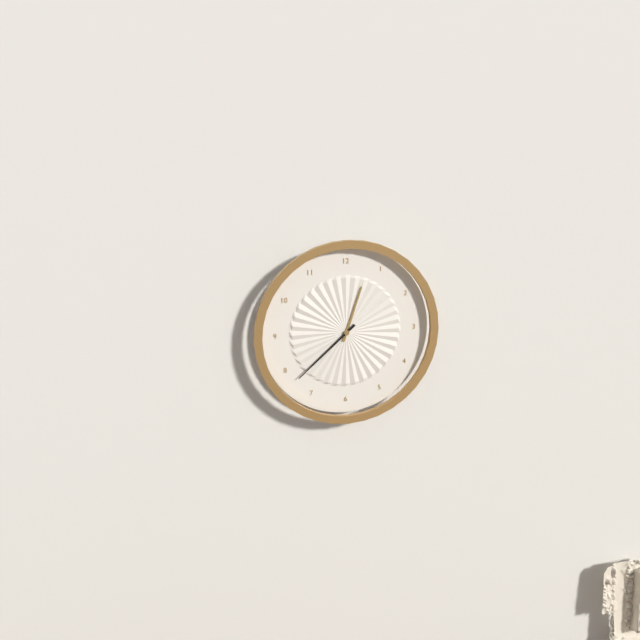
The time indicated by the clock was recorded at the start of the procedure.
12:38
